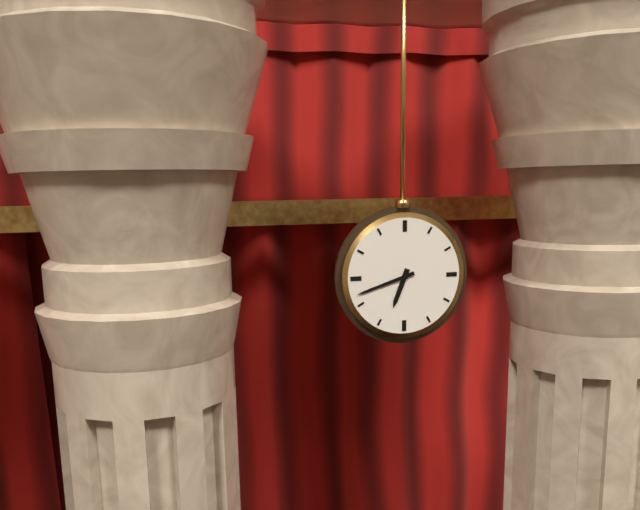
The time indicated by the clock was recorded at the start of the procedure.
6:42
